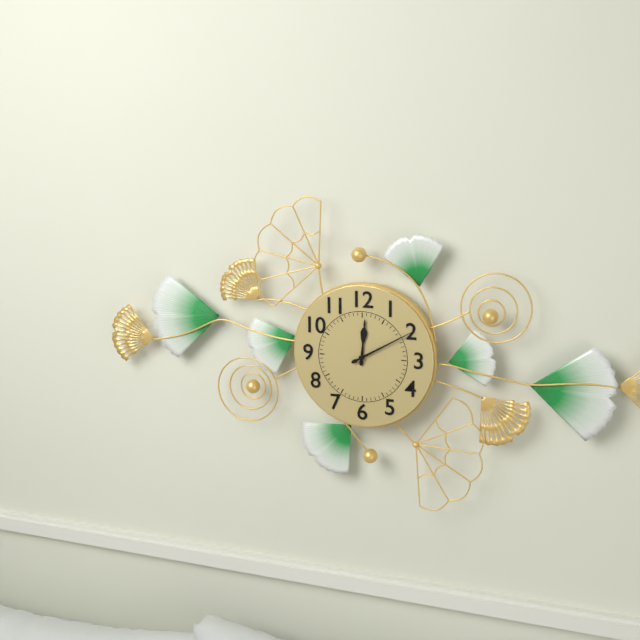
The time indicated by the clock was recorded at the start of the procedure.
12:10
